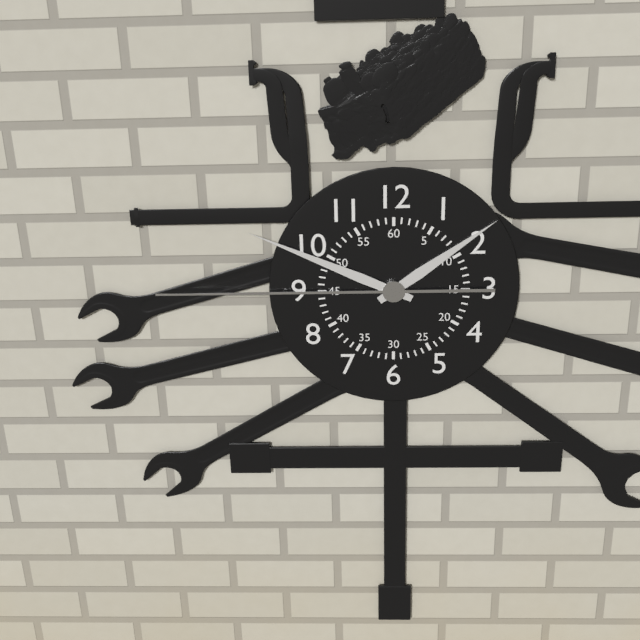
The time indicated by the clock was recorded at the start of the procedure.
1:49:45
